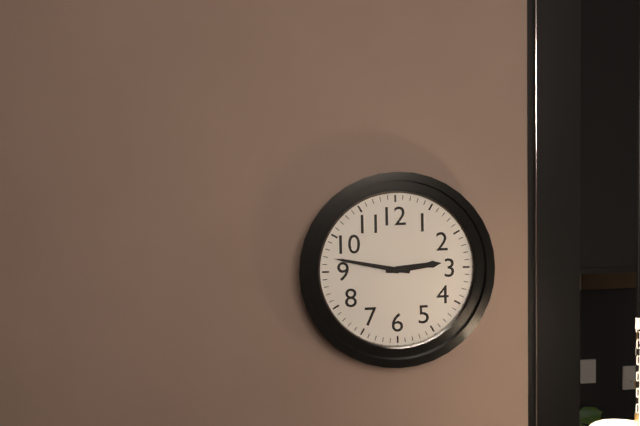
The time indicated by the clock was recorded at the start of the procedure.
2:47
